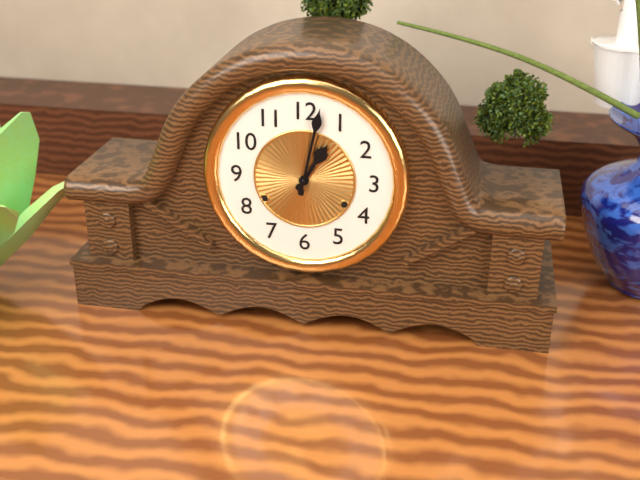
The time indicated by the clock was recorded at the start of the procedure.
1:02
